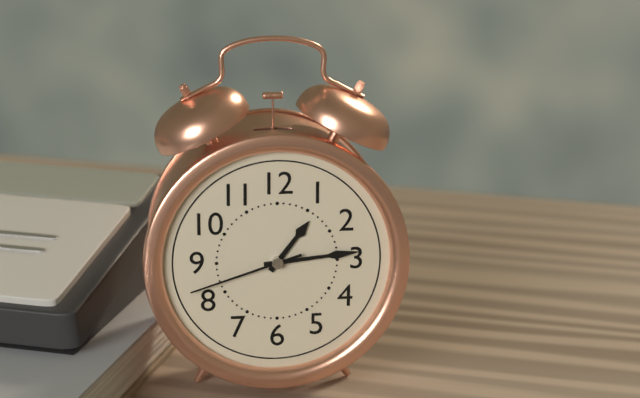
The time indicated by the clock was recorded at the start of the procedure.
1:14:42
